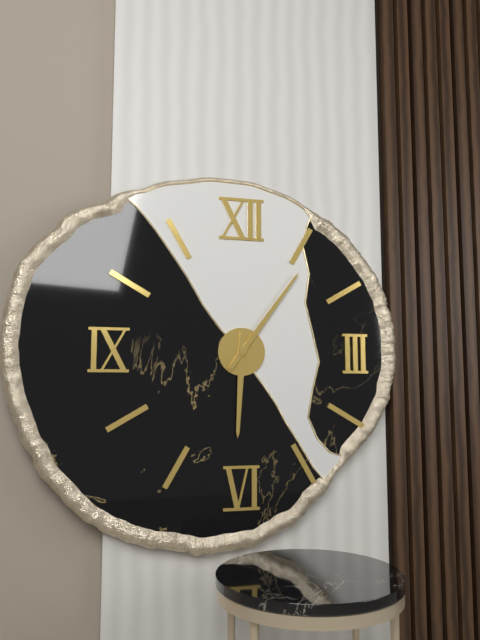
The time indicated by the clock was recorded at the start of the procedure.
6:06
